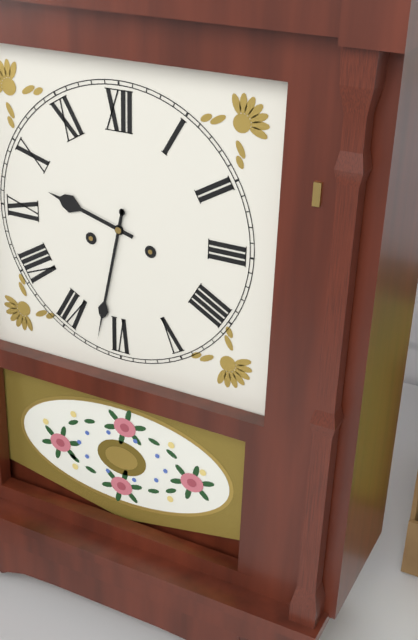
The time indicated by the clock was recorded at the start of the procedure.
9:32
